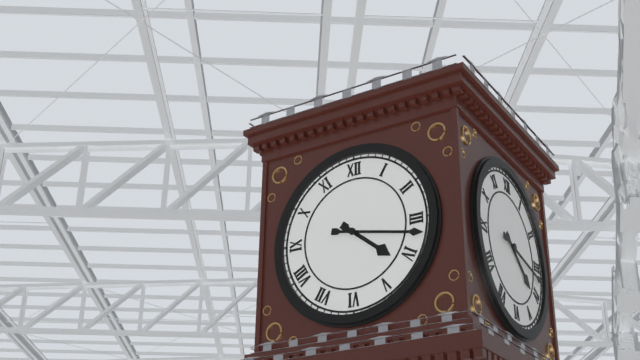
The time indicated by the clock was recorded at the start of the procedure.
4:17
